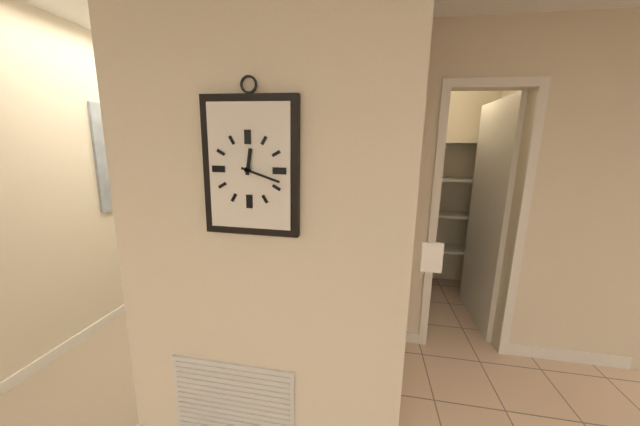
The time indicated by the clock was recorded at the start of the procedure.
12:18
